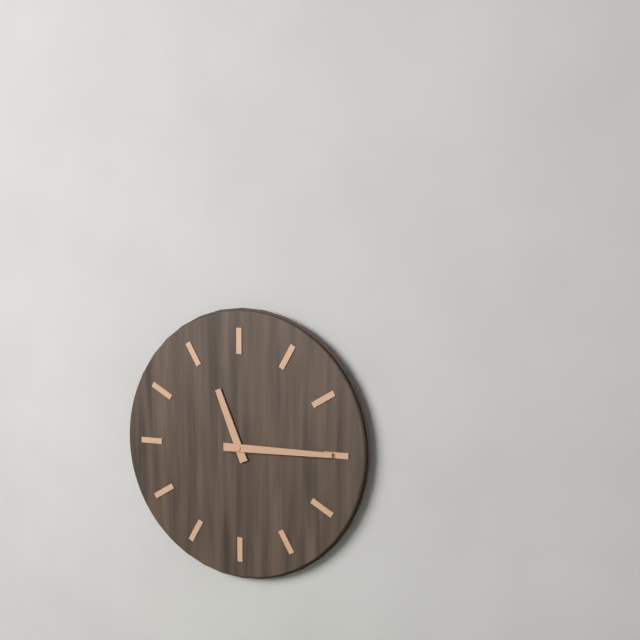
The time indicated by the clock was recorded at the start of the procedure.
11:15
